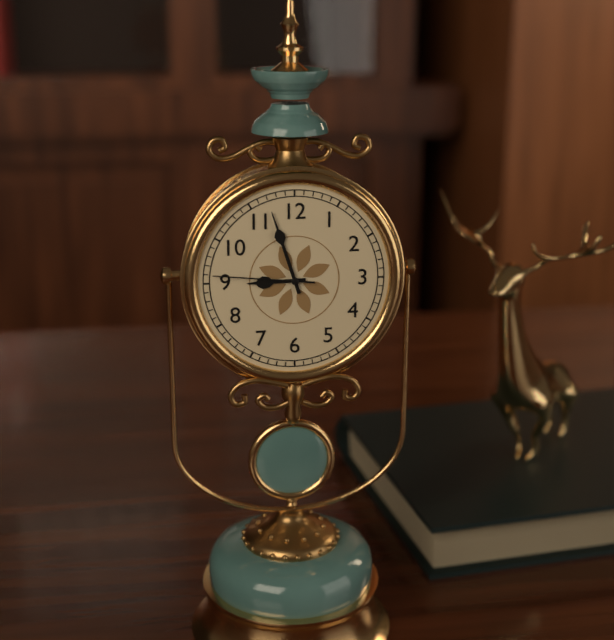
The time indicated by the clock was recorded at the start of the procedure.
8:57:46
